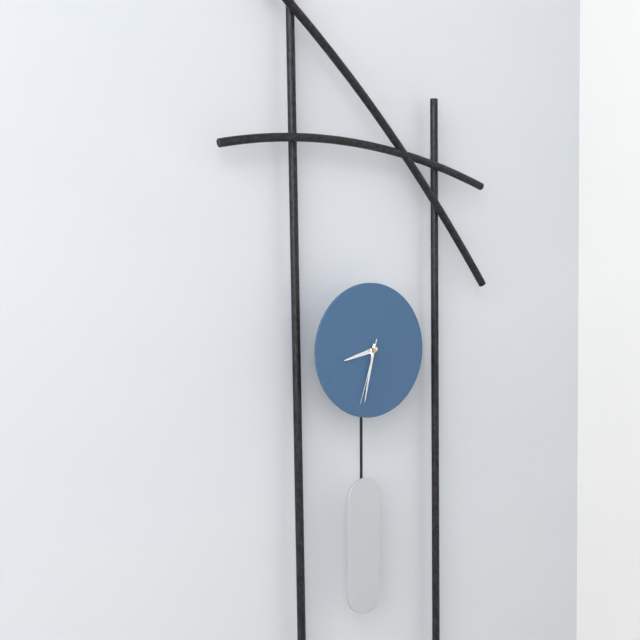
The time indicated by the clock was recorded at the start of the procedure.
8:32:33
